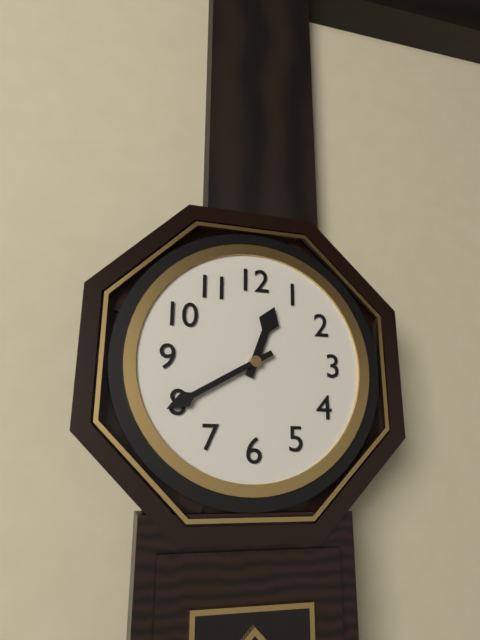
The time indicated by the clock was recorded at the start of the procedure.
12:40
